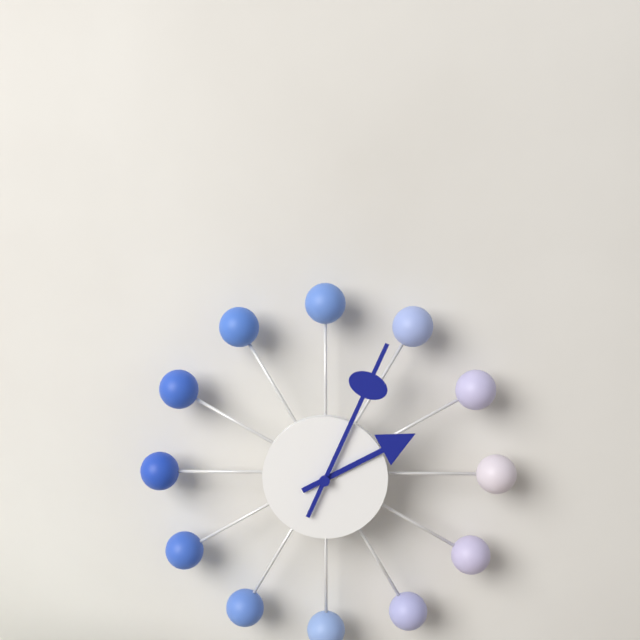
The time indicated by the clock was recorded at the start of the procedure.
2:04
